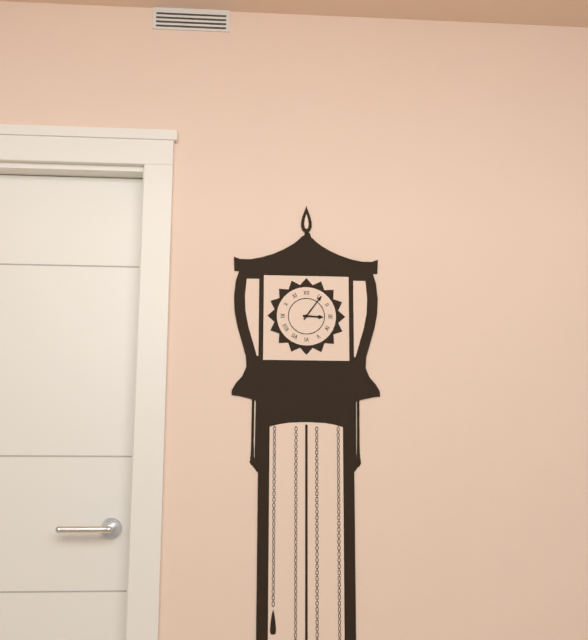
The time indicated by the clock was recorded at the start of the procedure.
3:06
